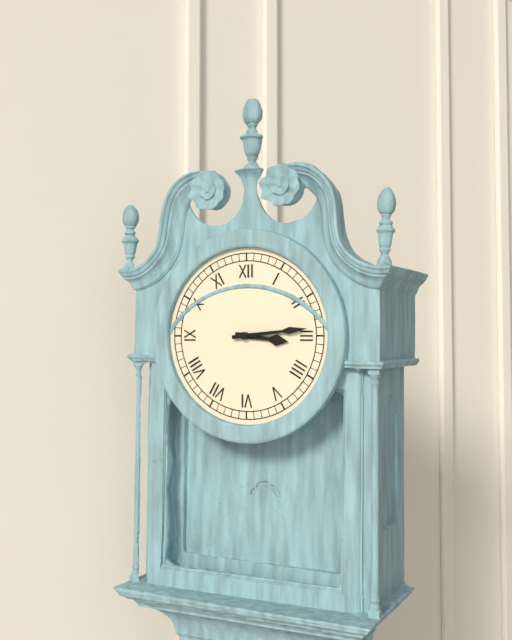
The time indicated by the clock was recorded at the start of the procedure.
3:14
